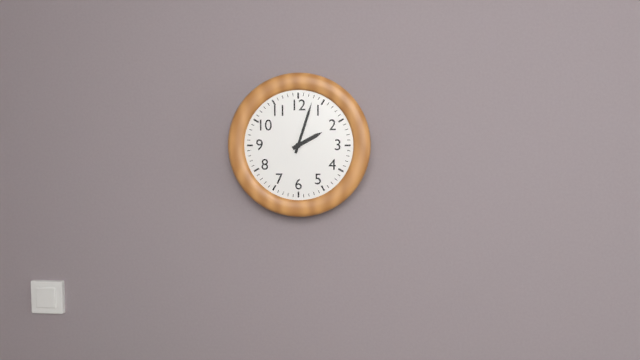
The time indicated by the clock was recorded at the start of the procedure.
2:03
